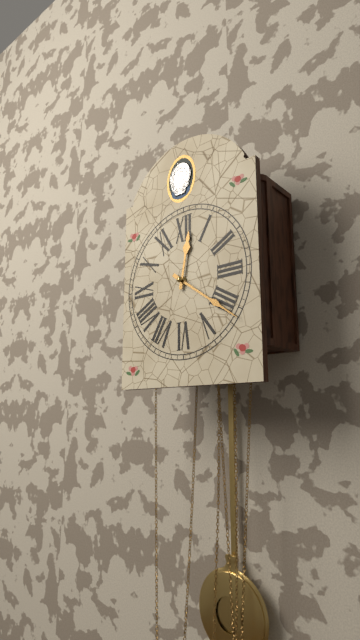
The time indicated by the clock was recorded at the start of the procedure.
12:21
